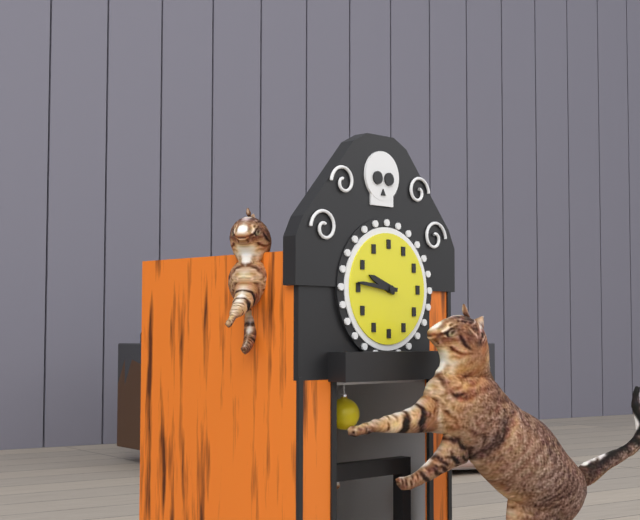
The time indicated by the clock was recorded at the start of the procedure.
9:46
